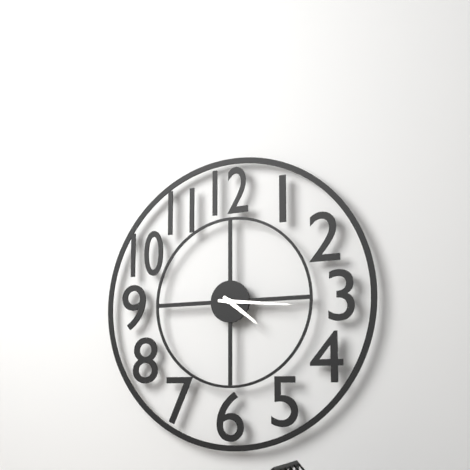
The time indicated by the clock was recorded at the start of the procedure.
4:16
